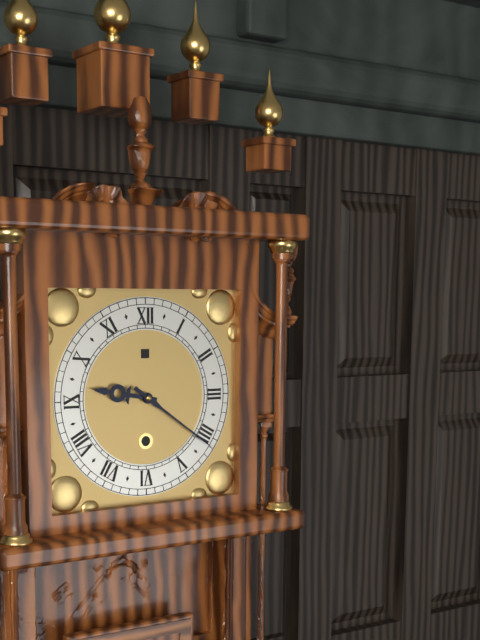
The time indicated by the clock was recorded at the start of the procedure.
9:21
